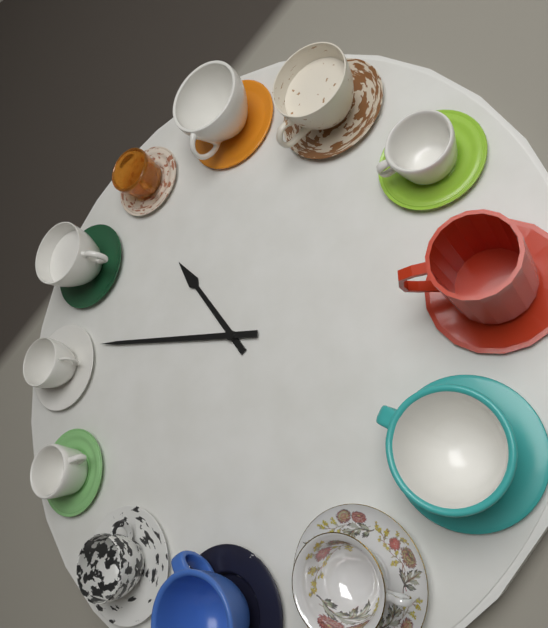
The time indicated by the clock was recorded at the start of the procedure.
10:46
